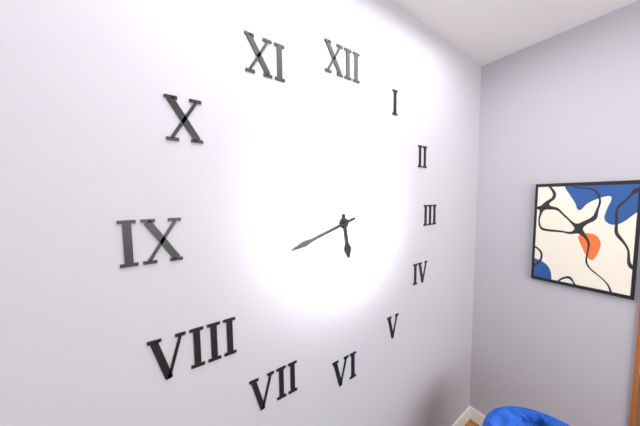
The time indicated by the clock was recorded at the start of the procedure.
5:42
